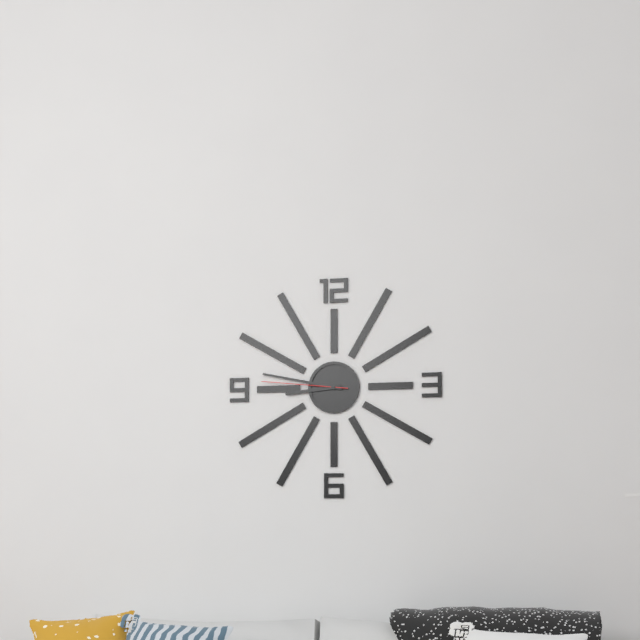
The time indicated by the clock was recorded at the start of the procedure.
8:47:46
